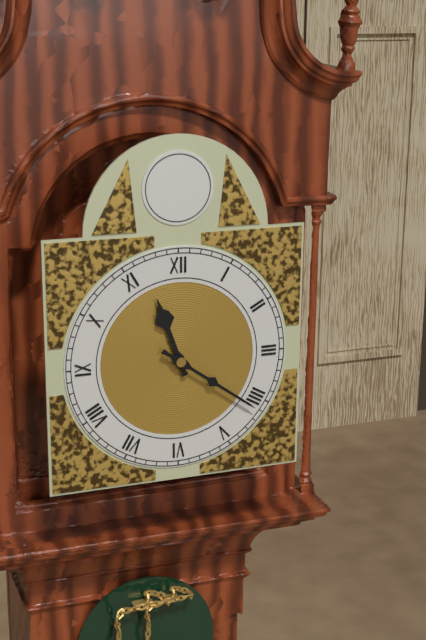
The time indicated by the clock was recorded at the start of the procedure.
11:21
